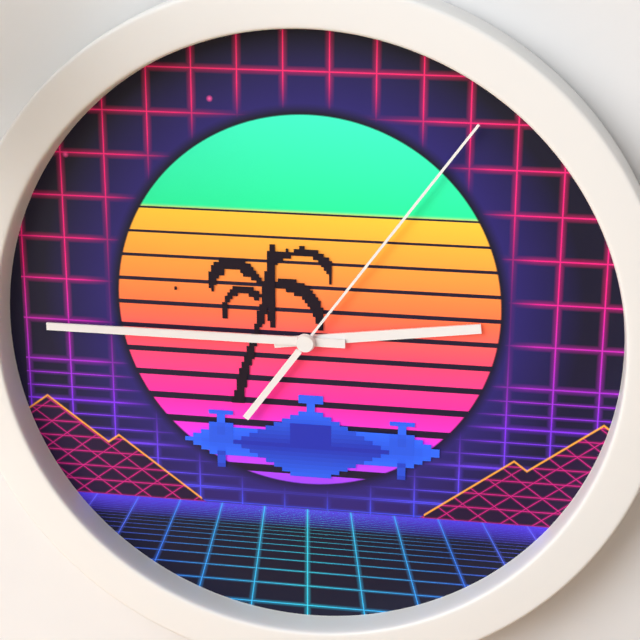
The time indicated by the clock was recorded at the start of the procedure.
2:45:06
